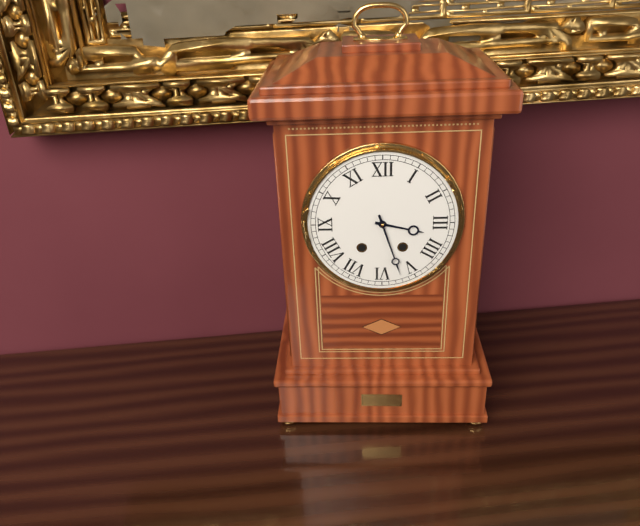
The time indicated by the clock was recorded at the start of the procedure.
3:27
